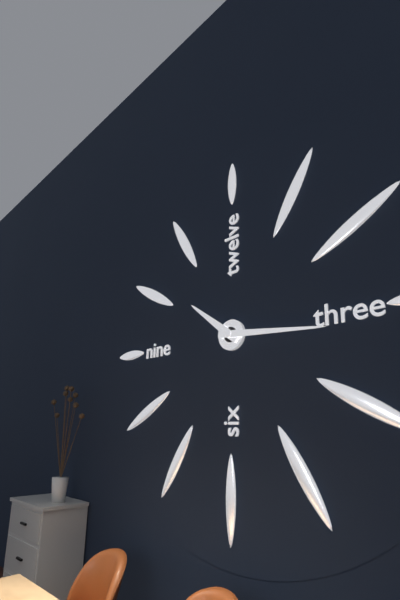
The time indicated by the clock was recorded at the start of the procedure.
10:16
